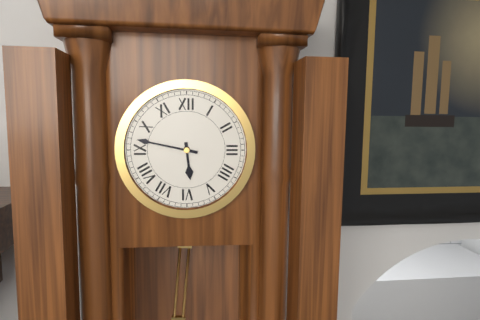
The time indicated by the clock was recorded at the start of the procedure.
5:47
